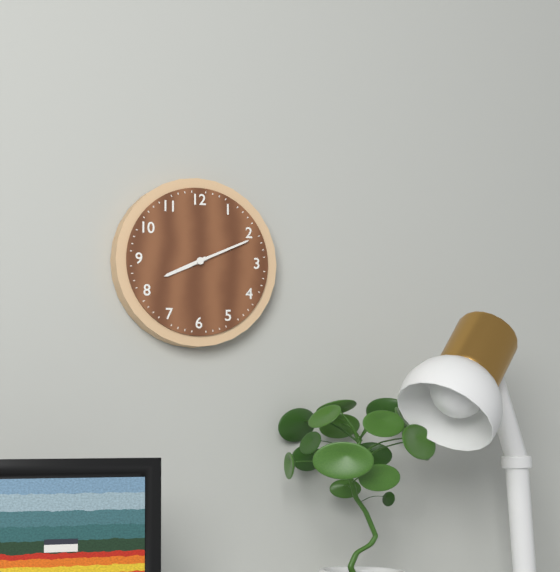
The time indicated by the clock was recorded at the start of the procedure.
8:11
